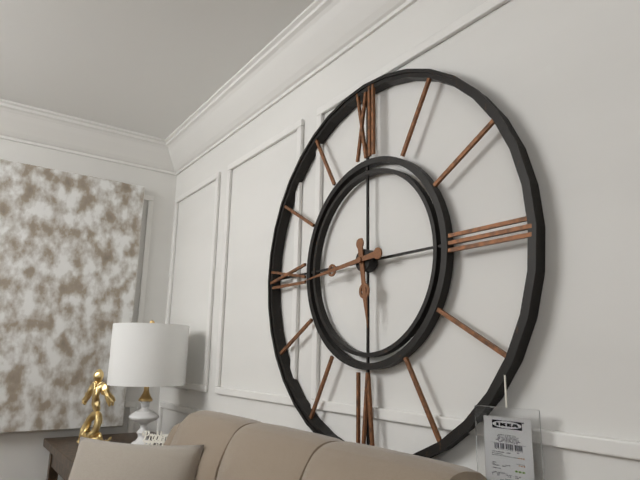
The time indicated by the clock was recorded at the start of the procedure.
5:44
